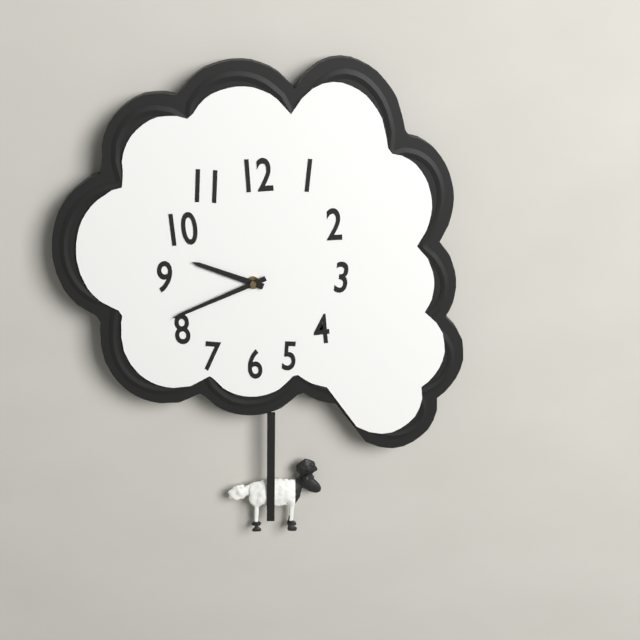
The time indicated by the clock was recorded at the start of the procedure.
9:41
